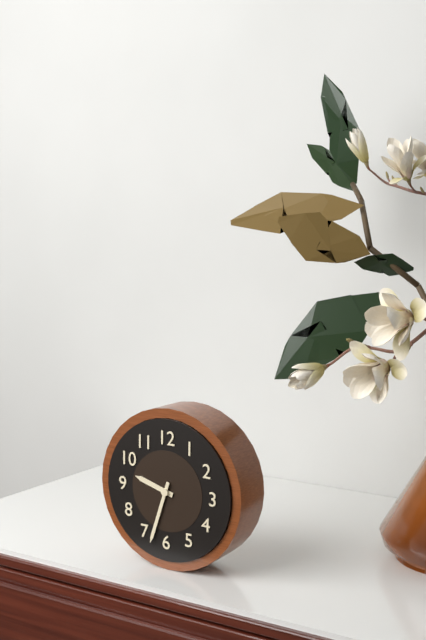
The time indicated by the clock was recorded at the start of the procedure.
9:33
